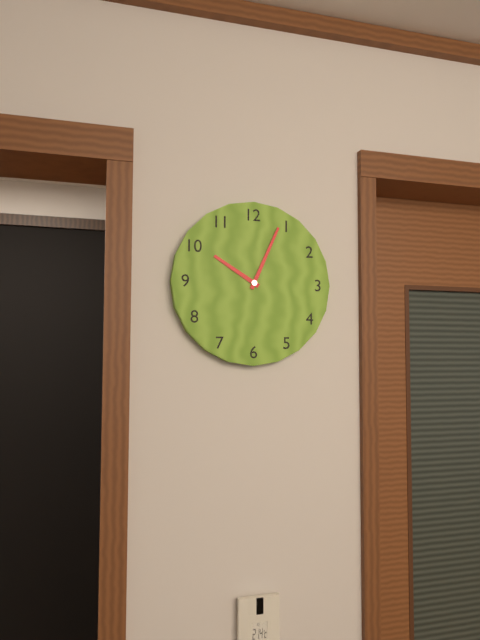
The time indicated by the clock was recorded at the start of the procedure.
10:04
